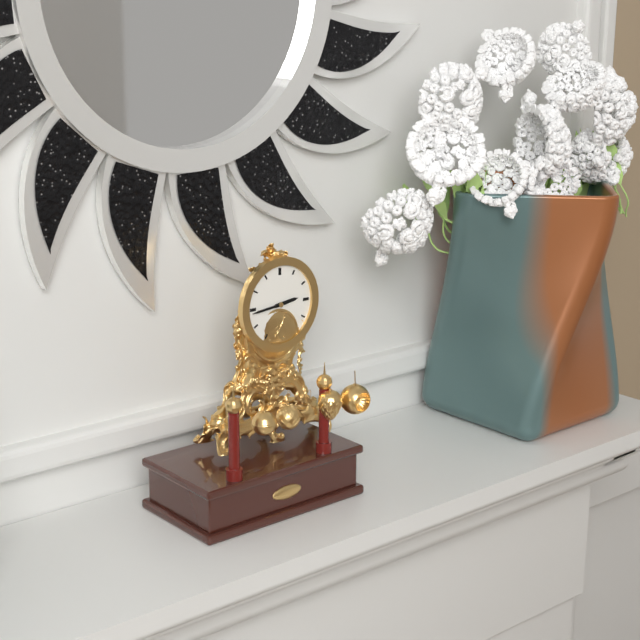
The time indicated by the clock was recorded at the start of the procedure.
2:44
